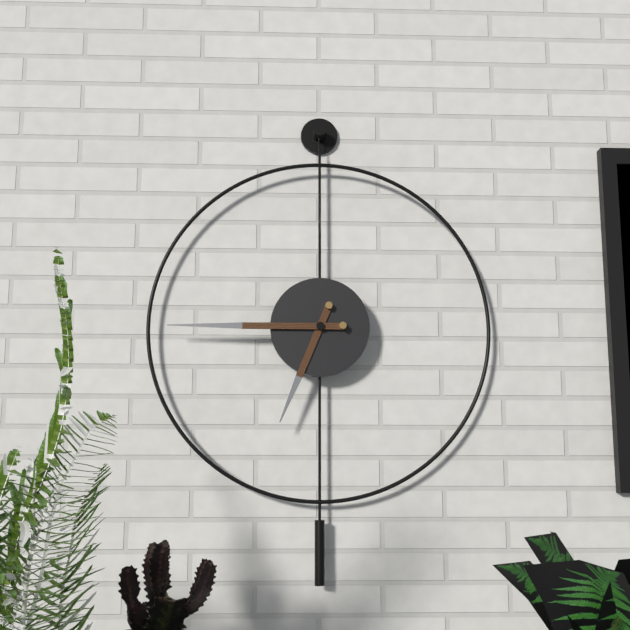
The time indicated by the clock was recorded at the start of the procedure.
6:45
